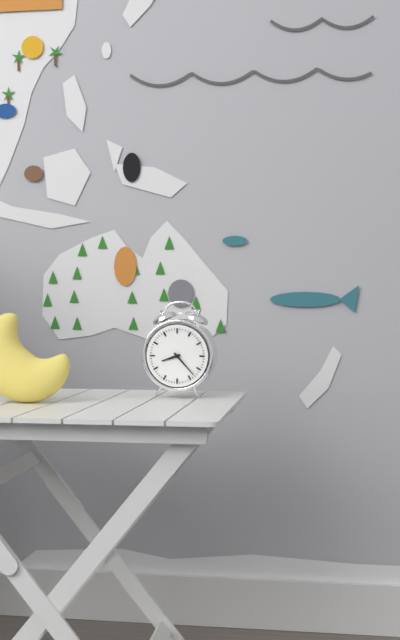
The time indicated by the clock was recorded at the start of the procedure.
8:23
